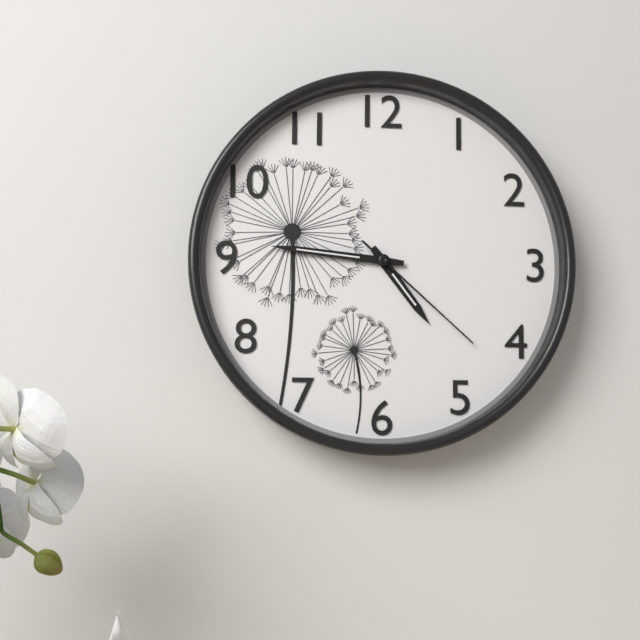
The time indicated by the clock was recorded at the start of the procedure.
4:46:22
